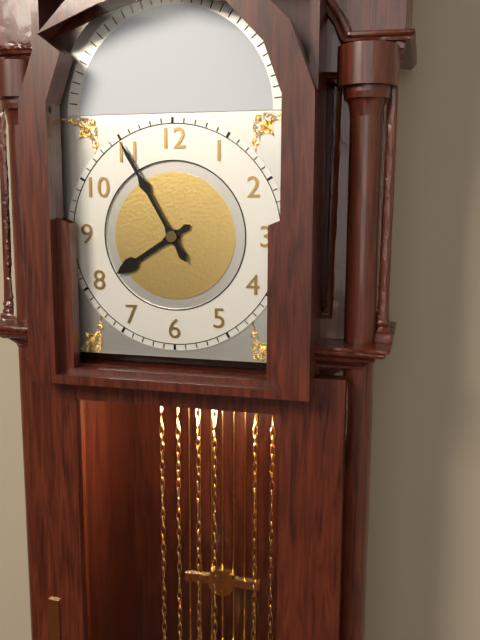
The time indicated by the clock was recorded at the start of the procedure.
7:55
